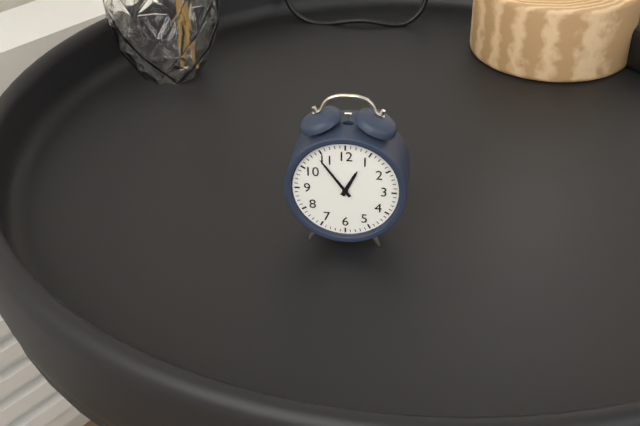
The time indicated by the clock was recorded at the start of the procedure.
12:54
